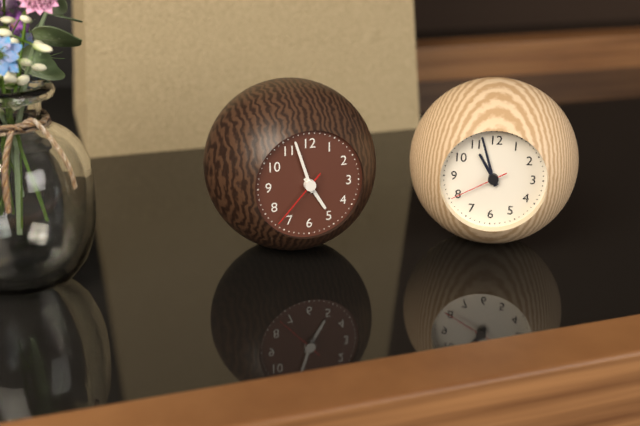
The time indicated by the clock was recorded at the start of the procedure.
4:57:37
